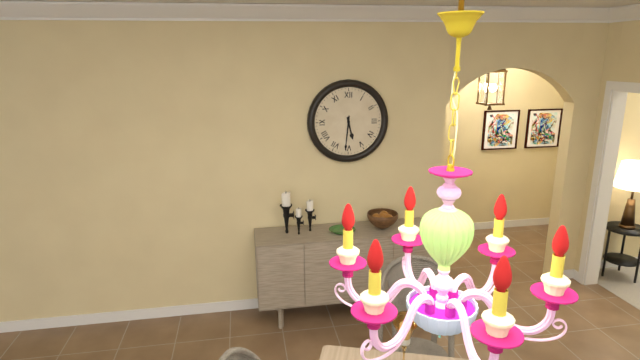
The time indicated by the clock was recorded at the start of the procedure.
5:31
